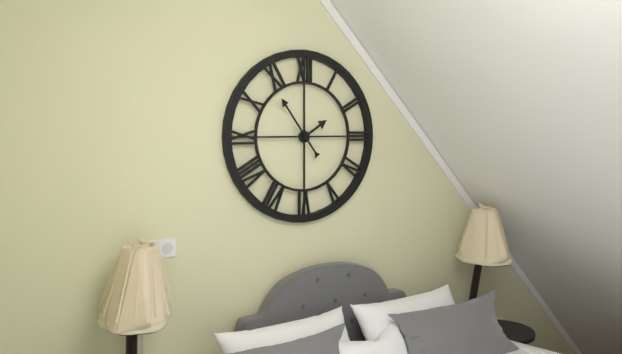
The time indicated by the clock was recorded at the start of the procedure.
1:54
